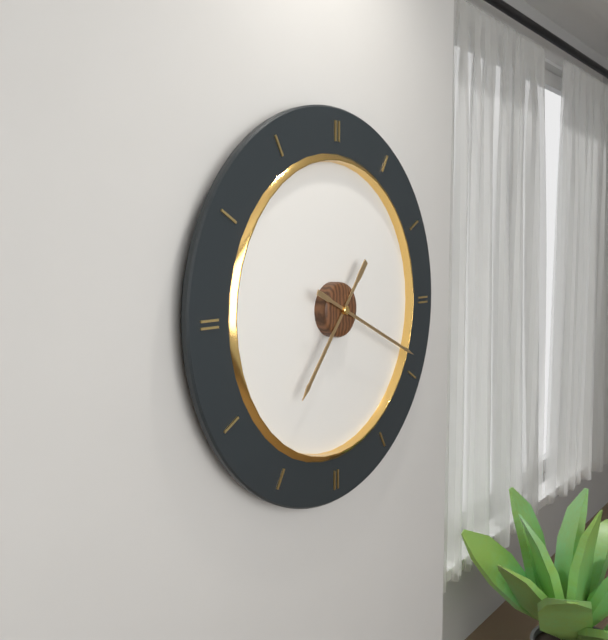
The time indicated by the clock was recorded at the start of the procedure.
7:19
